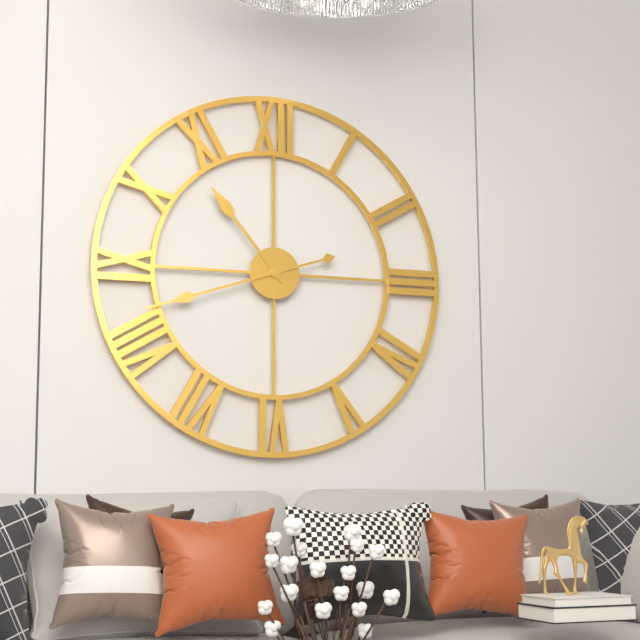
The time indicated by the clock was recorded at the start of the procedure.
10:42
